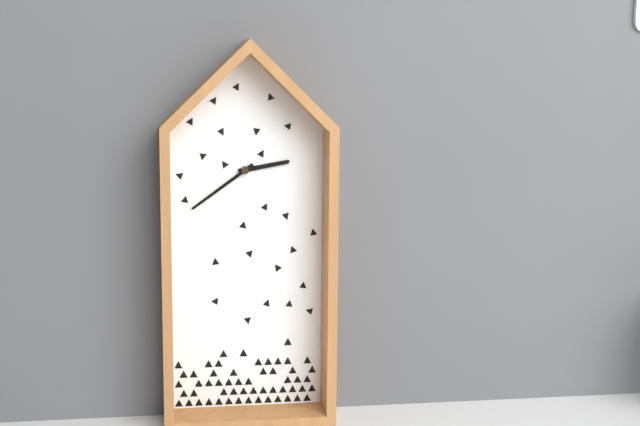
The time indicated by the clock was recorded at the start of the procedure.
2:39
